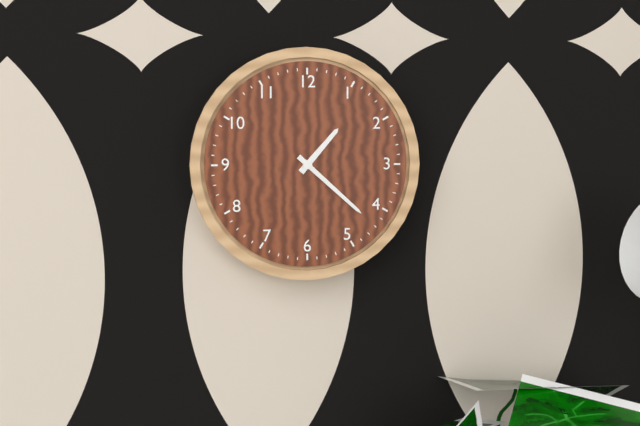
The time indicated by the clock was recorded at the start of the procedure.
1:22
